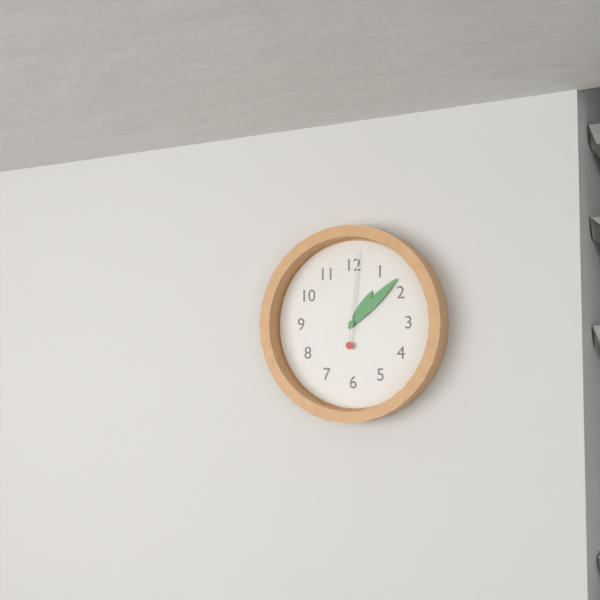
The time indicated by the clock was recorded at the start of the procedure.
1:08:01
